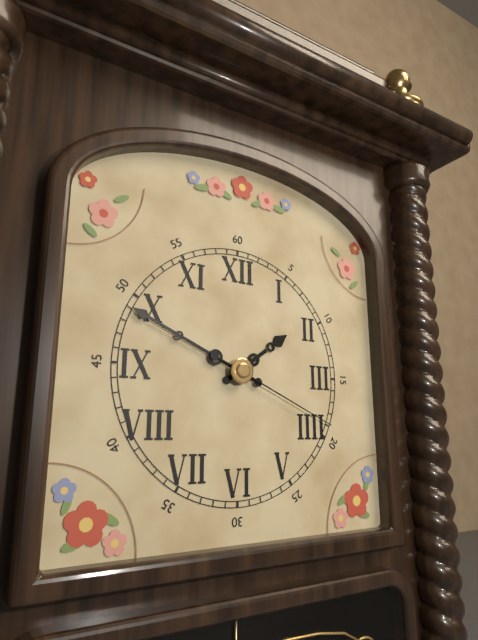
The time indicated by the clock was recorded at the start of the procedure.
1:49:19
